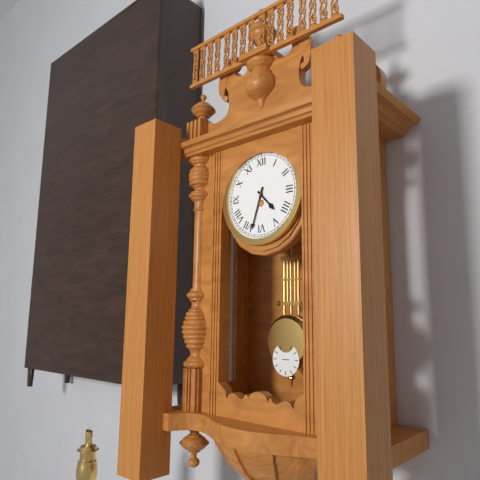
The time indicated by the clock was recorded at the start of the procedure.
4:33
